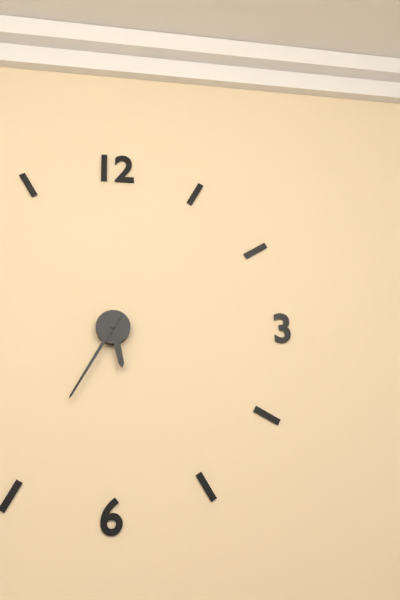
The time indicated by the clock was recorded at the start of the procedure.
5:35
